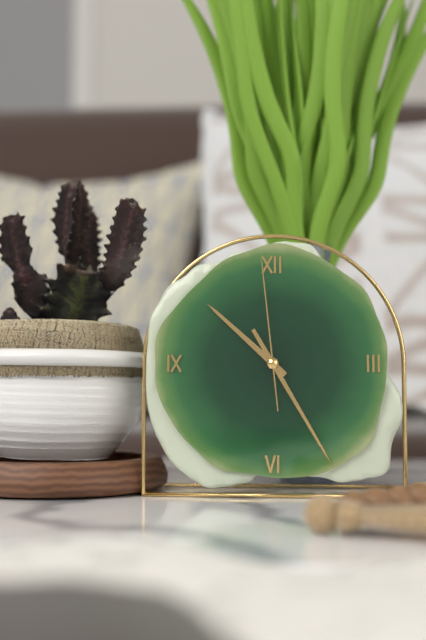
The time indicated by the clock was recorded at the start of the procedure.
10:25:59
